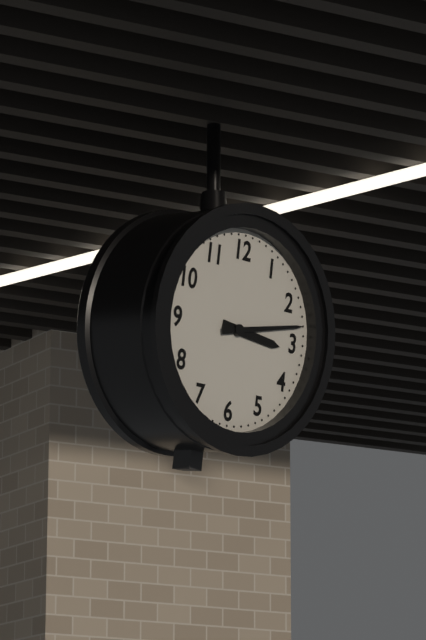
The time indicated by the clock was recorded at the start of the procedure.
3:13
